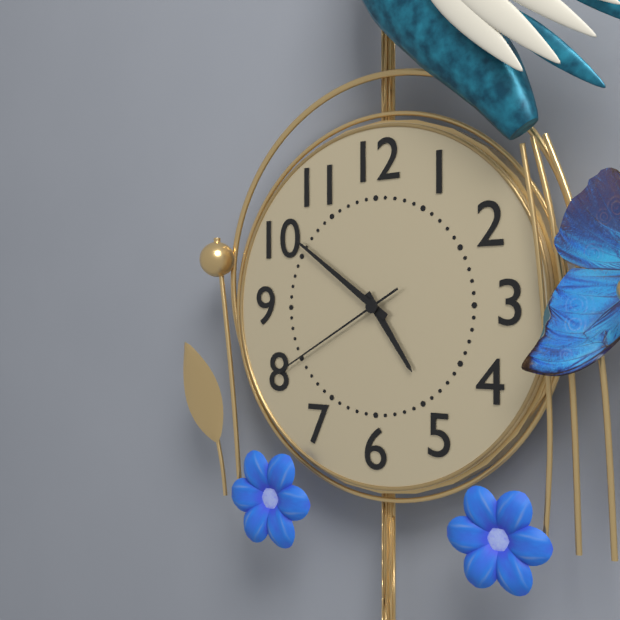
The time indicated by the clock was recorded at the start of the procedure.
4:51:40
